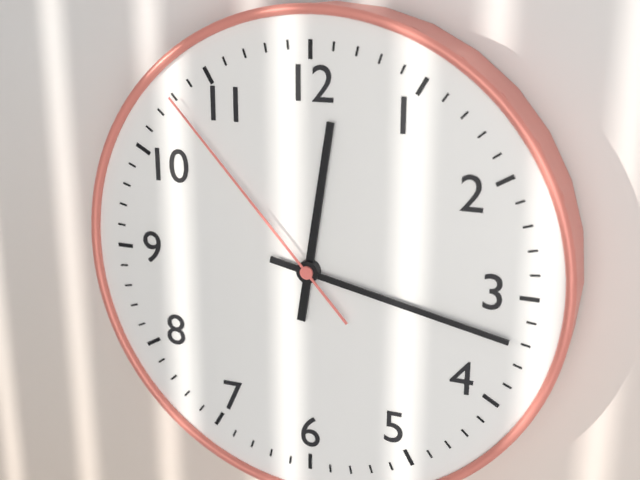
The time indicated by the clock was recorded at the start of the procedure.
12:17:53
